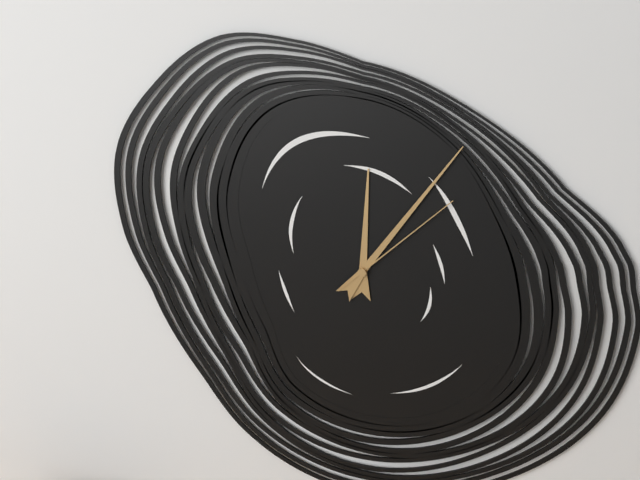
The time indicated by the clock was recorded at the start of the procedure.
12:06:08
